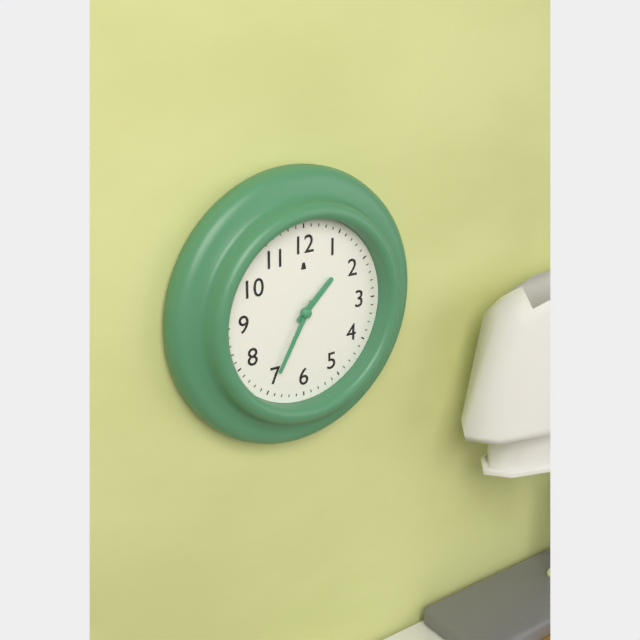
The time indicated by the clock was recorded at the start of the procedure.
1:35
